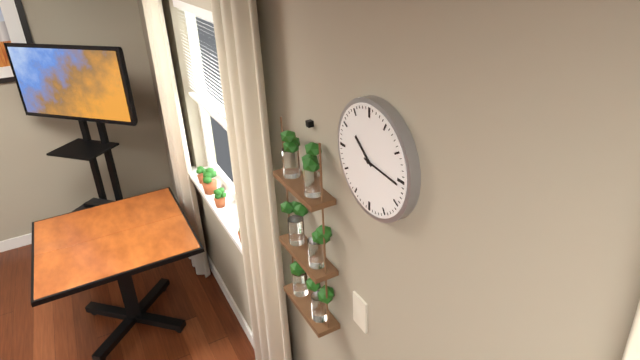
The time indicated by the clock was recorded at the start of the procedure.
10:16
